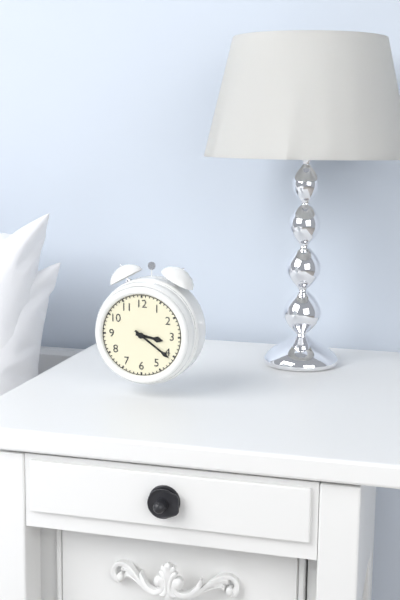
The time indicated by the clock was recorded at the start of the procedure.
3:21
